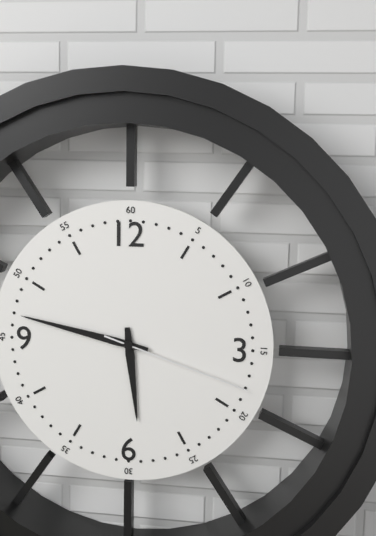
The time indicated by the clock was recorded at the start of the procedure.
5:47:18
